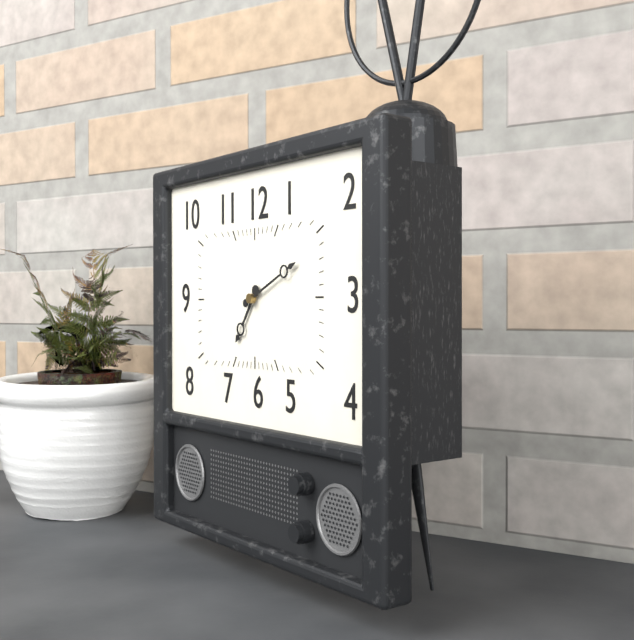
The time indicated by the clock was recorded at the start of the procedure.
7:11
